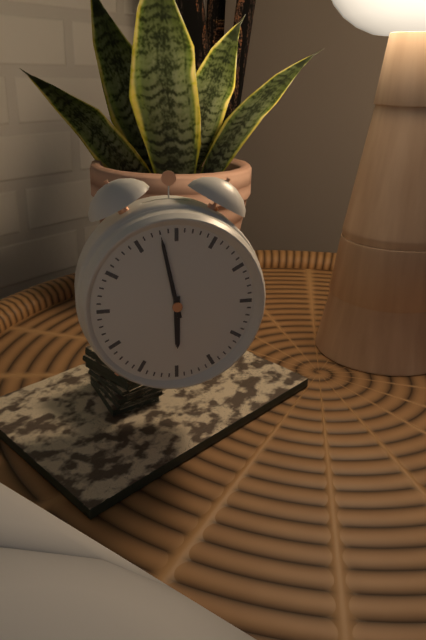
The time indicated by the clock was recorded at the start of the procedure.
5:58
